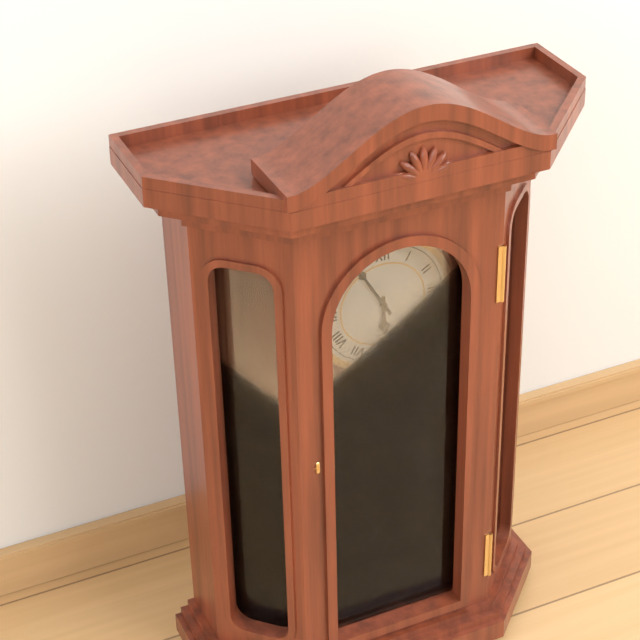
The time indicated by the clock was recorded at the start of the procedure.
5:55
